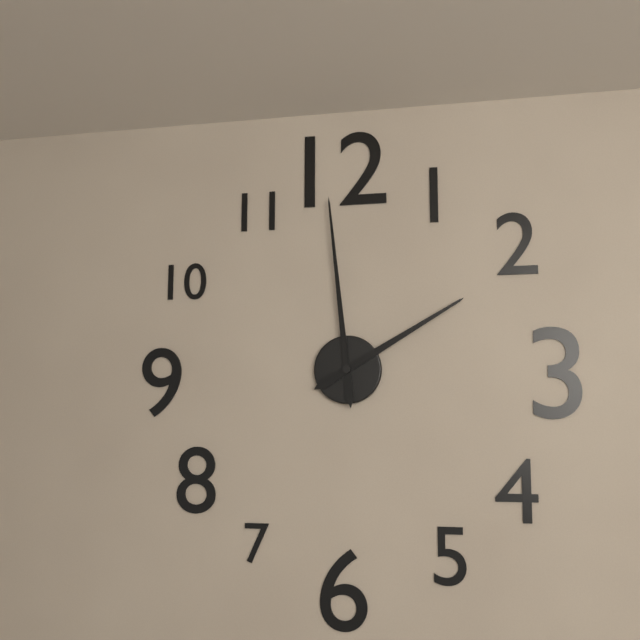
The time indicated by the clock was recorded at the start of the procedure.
1:59
